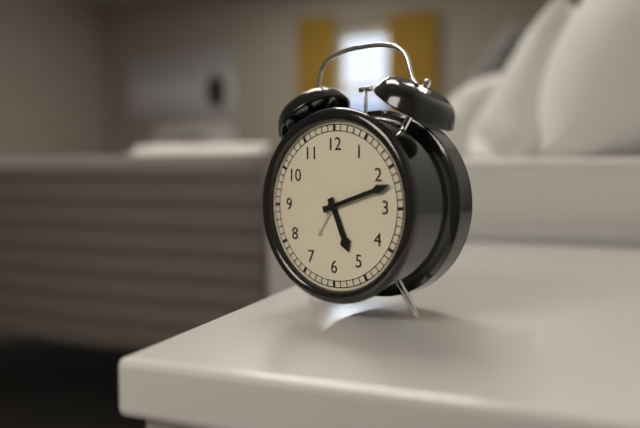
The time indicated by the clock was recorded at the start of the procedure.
5:12
